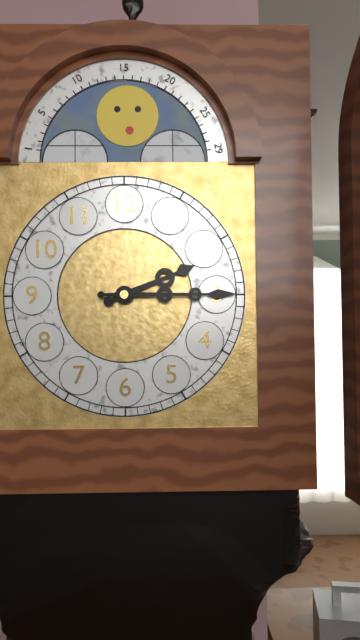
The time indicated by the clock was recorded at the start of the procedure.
2:15
